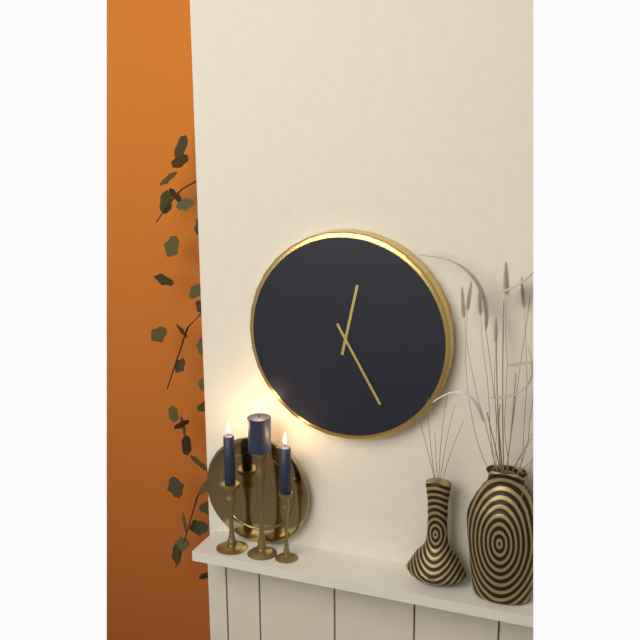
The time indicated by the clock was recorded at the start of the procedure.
12:25
